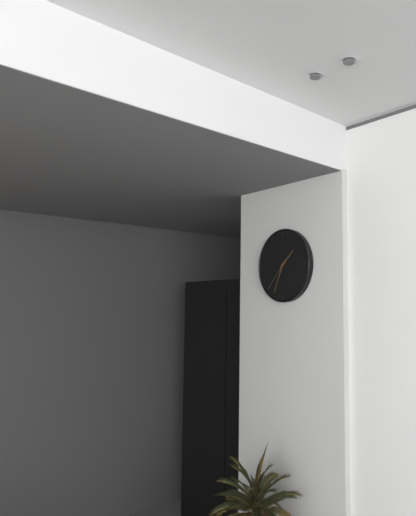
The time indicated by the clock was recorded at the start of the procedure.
1:34
